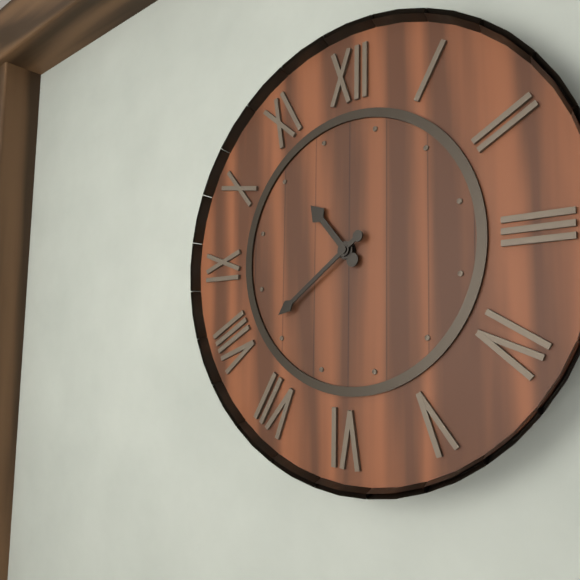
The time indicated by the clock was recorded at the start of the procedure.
10:39
